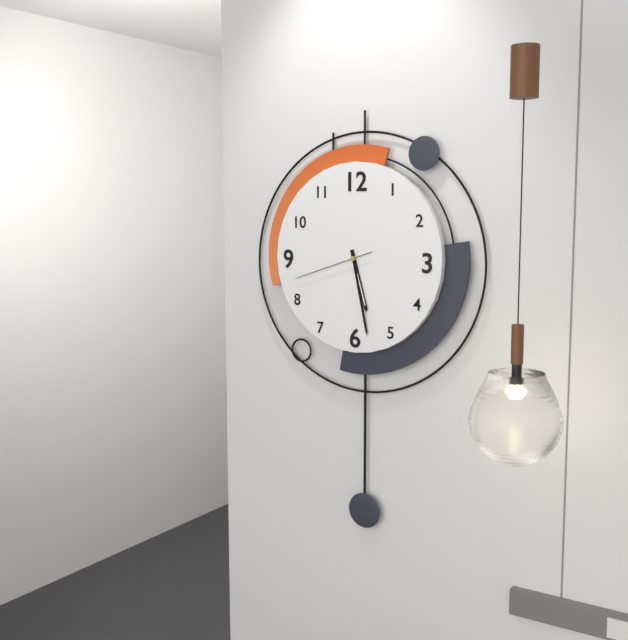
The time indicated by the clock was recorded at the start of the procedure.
5:28:42
